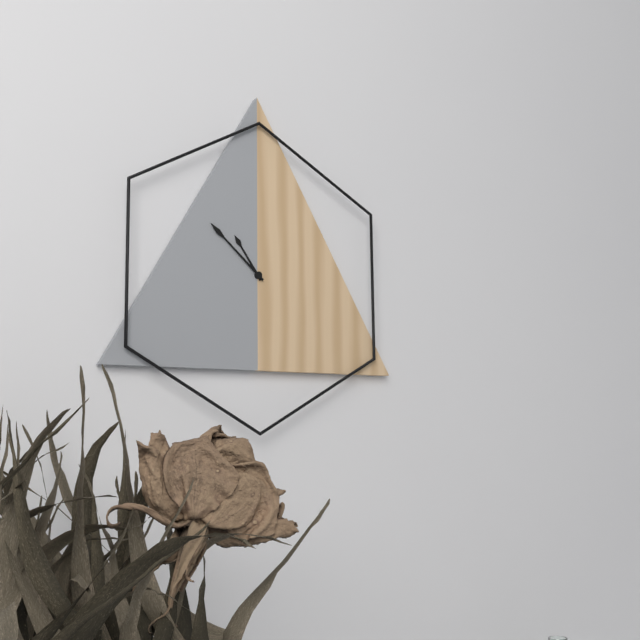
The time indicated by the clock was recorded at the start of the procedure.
10:52
